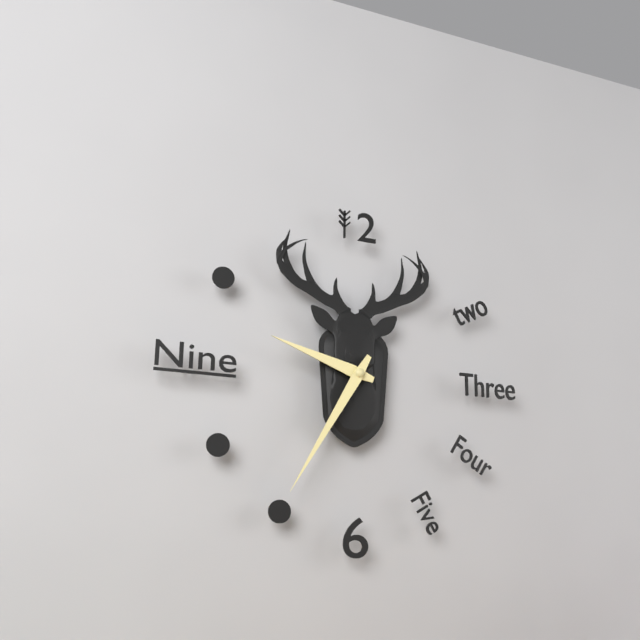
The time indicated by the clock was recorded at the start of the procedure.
9:35
